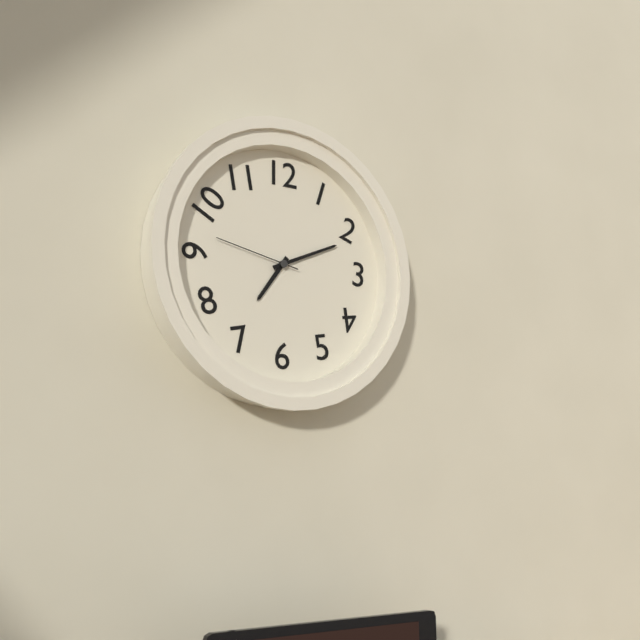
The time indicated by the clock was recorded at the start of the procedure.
7:11:47
